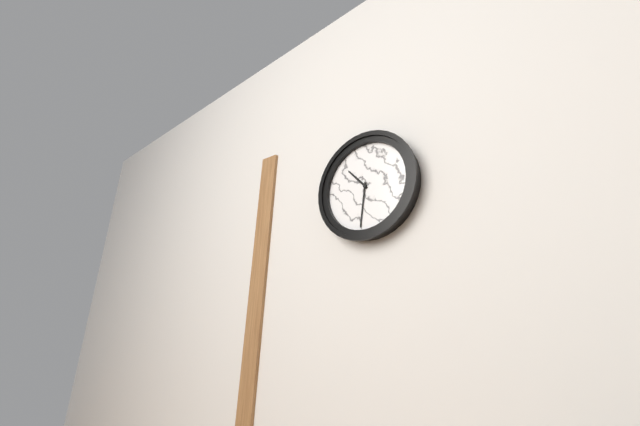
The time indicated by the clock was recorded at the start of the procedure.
10:31
